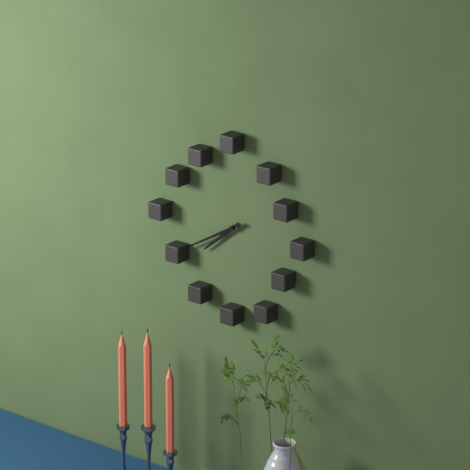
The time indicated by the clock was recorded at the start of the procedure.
7:40
